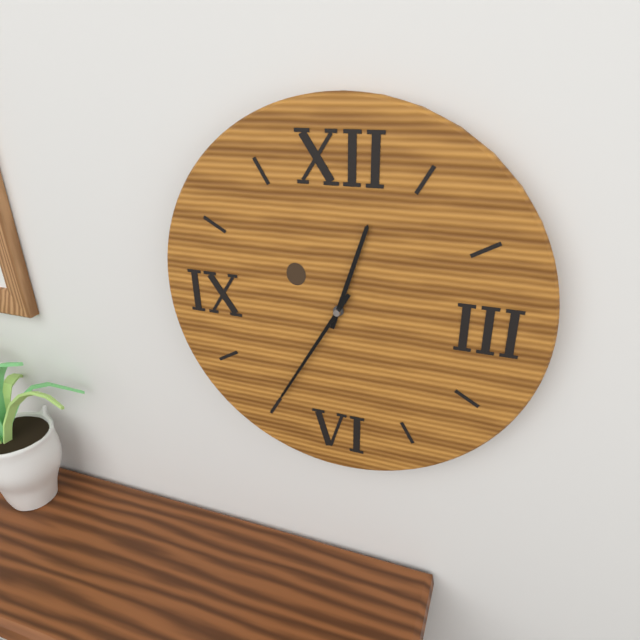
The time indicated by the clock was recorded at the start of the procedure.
12:35
